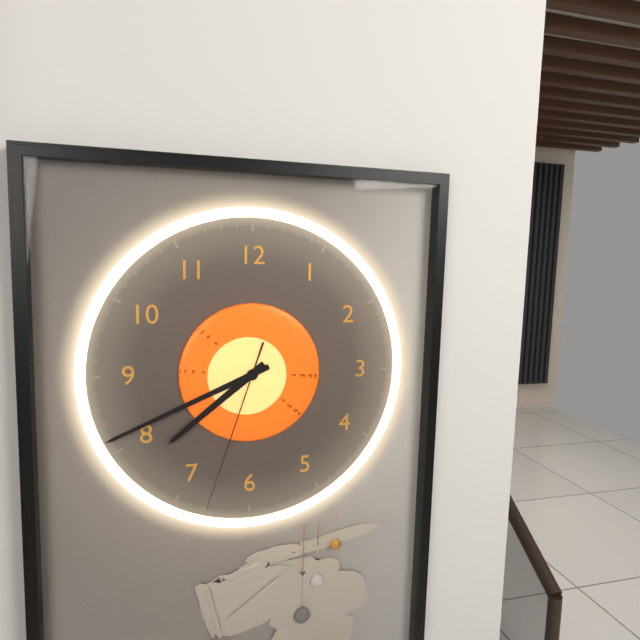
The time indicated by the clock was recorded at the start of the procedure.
7:41:33
